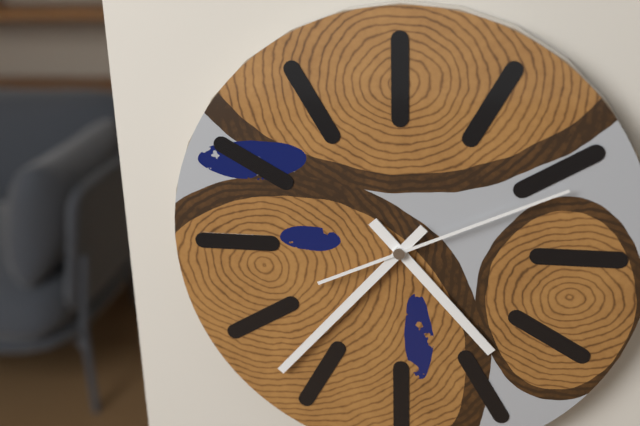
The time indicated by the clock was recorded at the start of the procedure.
4:37:11
